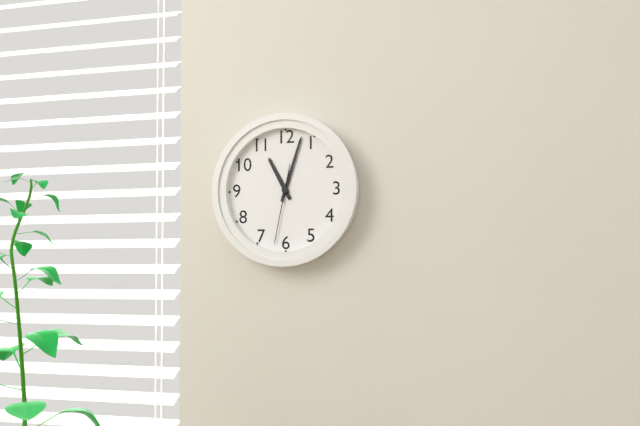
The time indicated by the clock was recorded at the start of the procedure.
11:03:32
